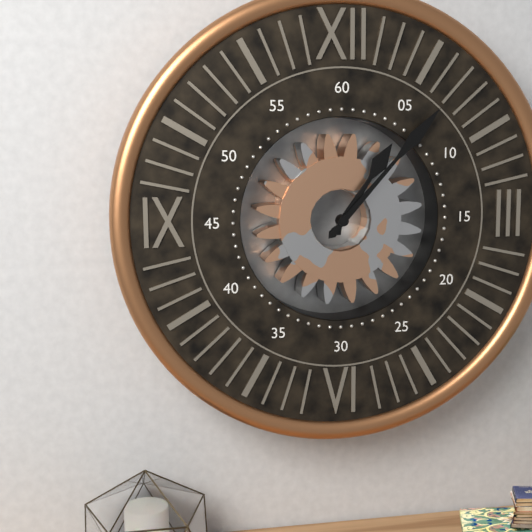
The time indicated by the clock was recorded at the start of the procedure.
1:07
